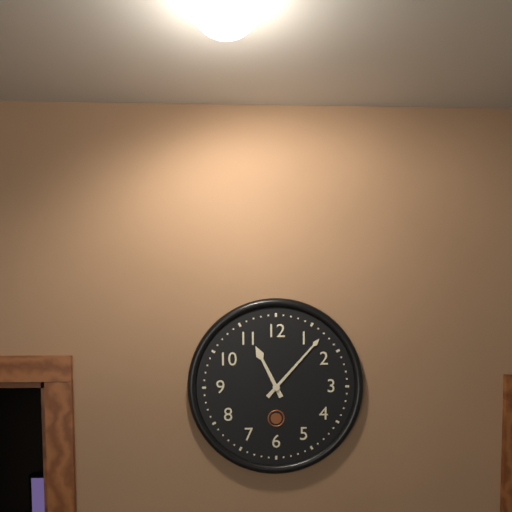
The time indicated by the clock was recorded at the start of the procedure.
11:07
